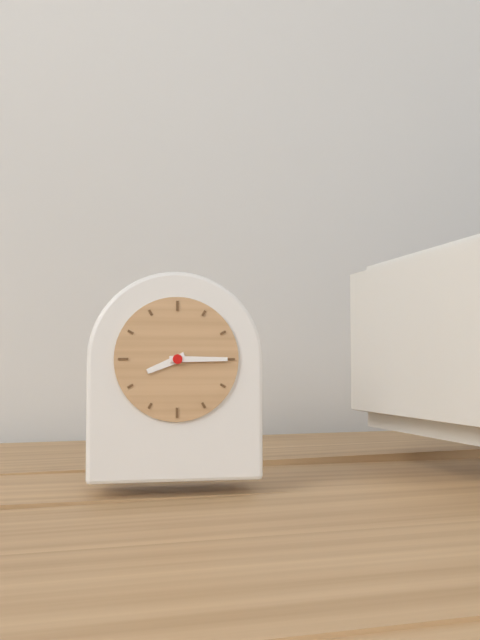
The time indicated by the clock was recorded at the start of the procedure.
8:15
